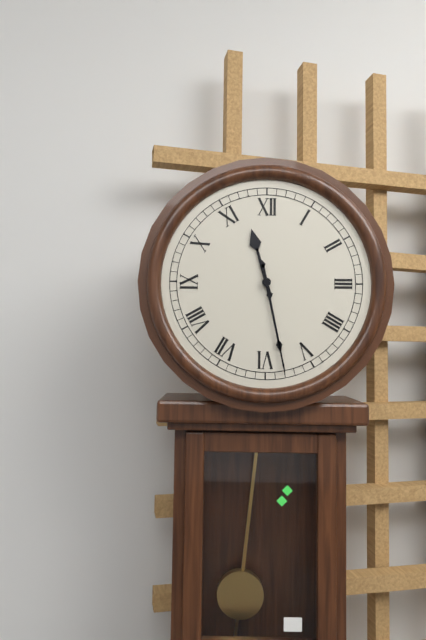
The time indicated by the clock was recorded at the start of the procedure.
11:28
